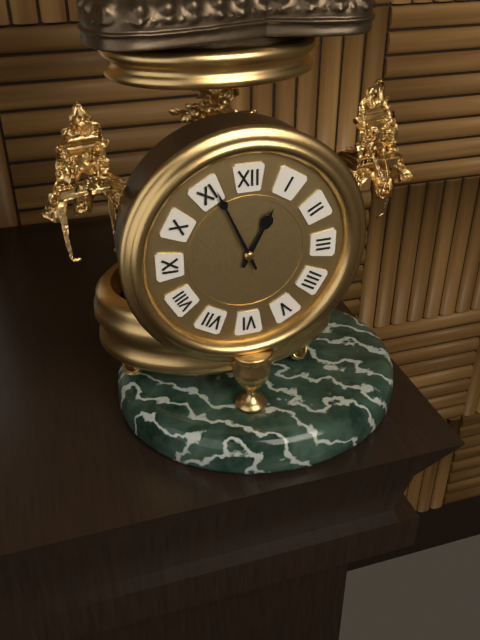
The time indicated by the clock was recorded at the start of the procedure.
12:56
